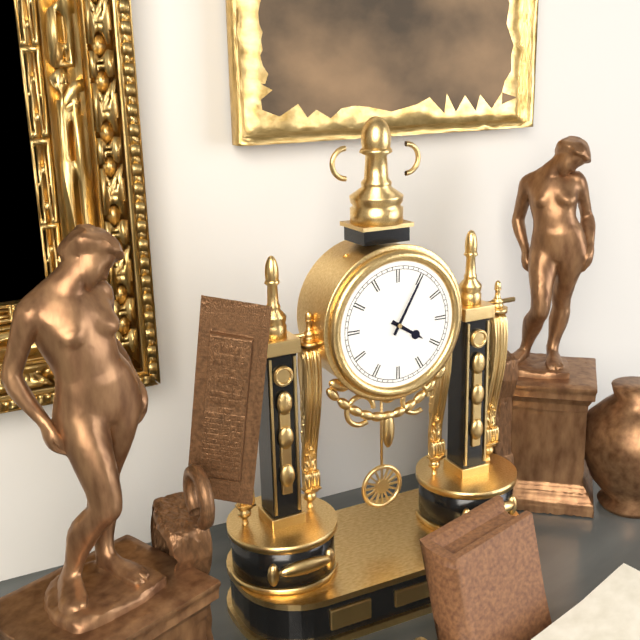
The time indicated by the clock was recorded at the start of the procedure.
4:05
